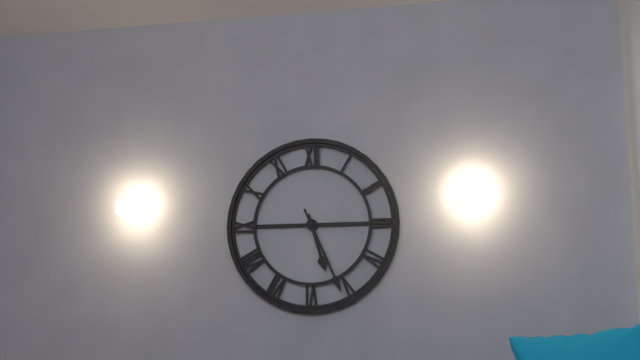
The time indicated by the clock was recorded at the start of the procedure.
5:26
